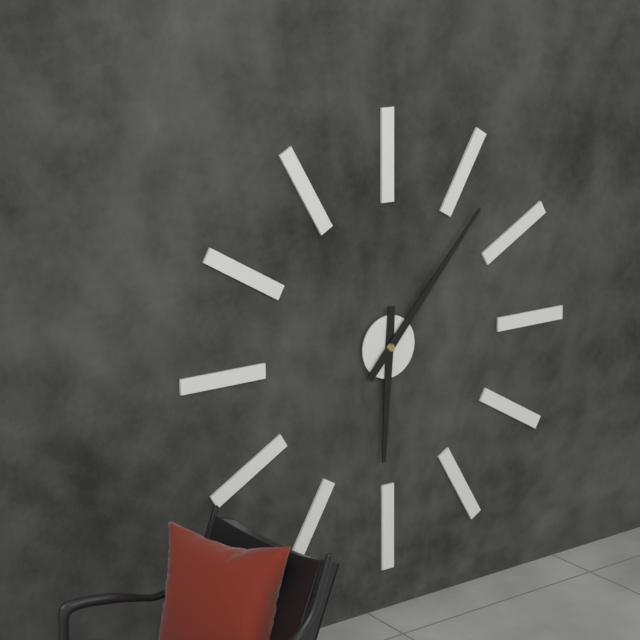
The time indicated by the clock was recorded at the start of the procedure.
6:07
